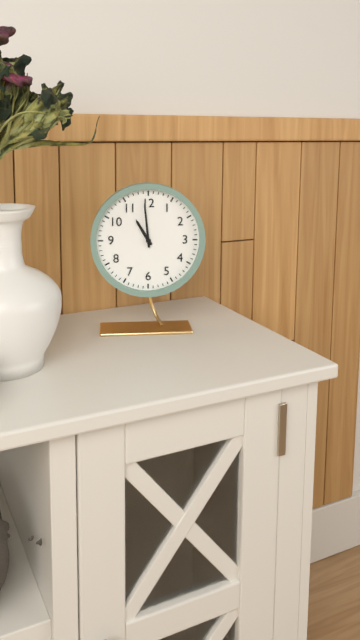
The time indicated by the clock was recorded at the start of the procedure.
10:59
